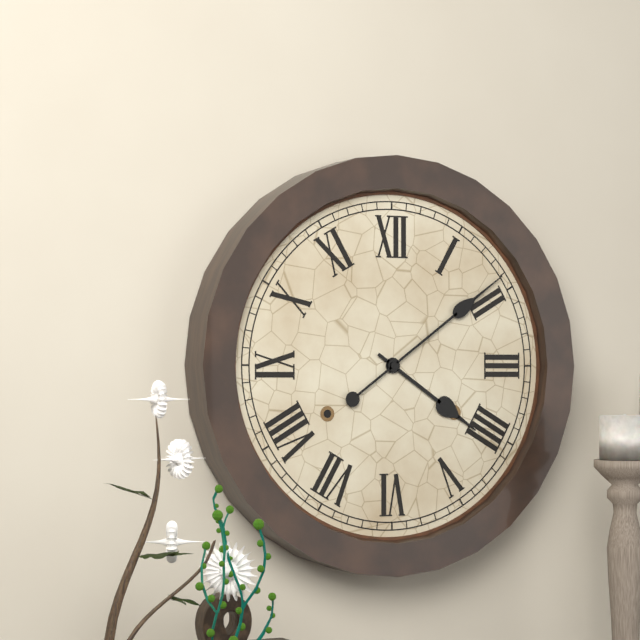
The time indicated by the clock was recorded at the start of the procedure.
4:09
